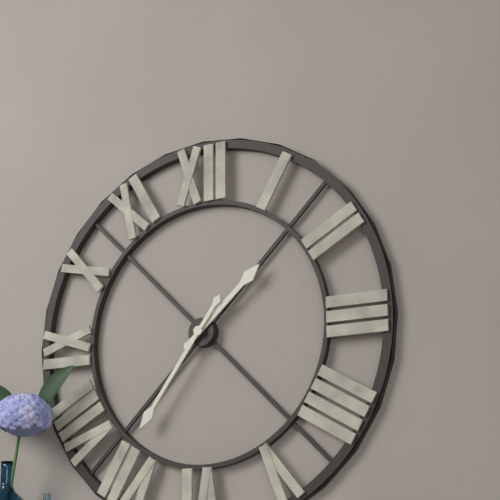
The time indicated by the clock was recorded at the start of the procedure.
1:36
